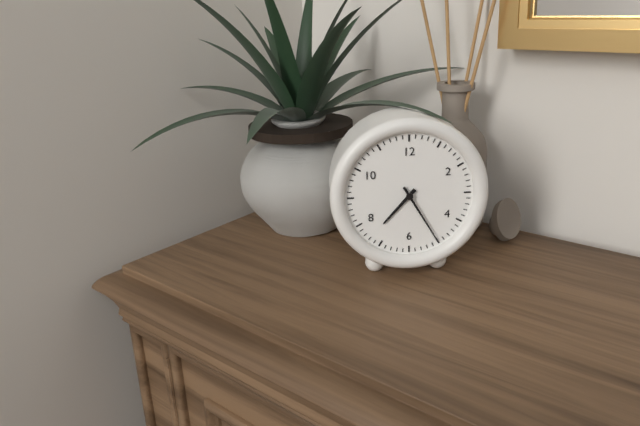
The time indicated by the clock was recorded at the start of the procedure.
7:25
